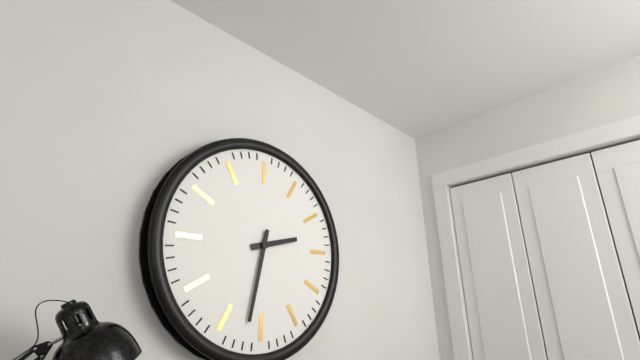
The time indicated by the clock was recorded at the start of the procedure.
2:32
